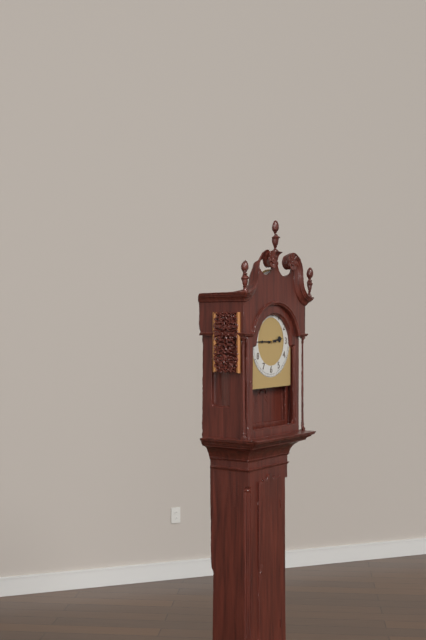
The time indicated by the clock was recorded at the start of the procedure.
2:45
